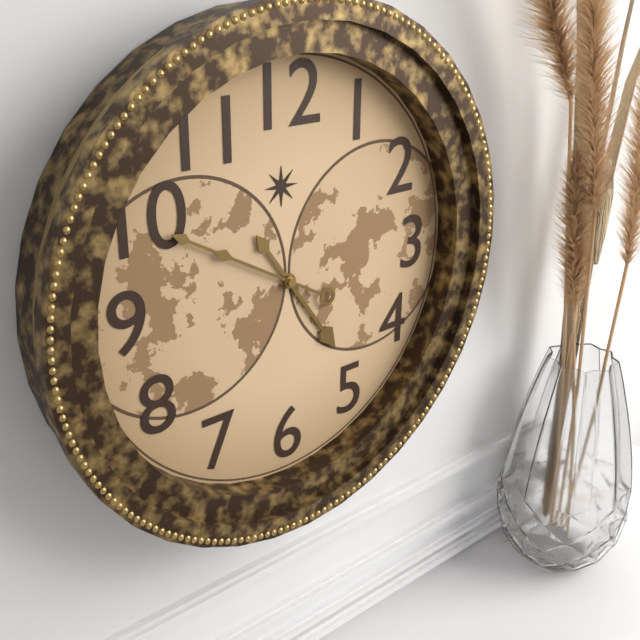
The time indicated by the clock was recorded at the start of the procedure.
4:50
